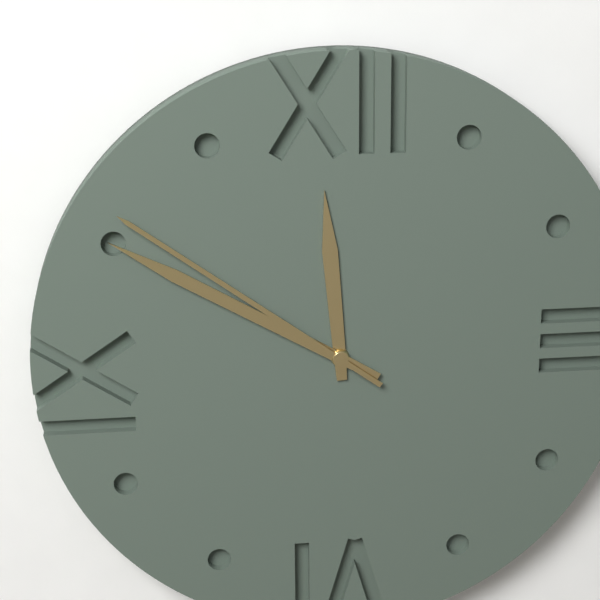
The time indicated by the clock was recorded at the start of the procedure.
11:50:51
